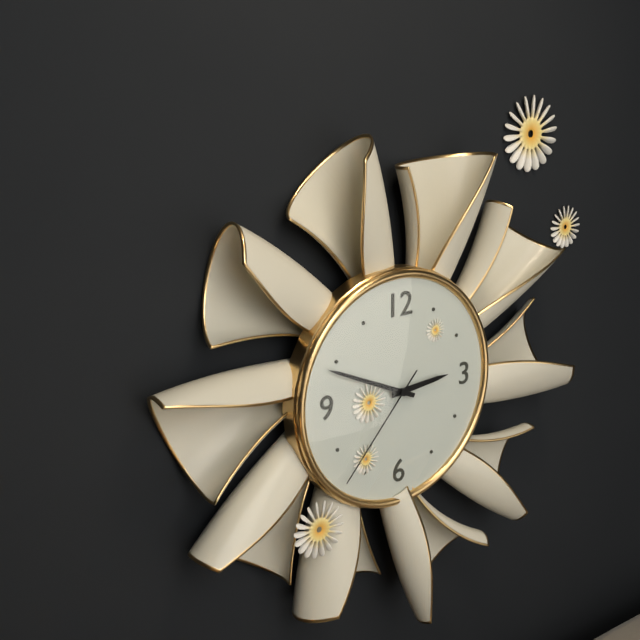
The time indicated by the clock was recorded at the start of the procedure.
2:49:37
